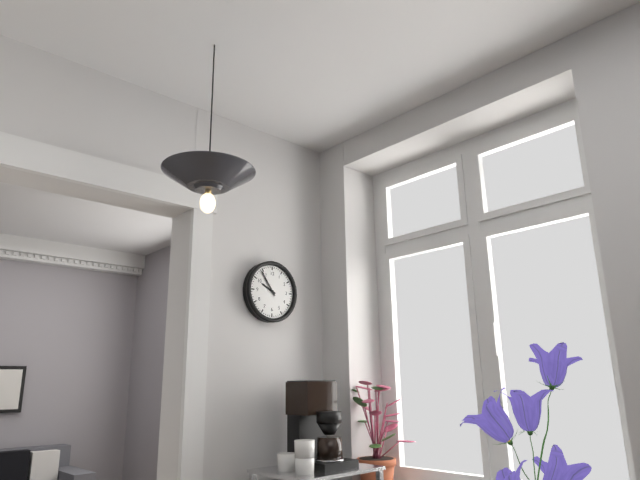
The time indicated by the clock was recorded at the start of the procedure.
9:54
